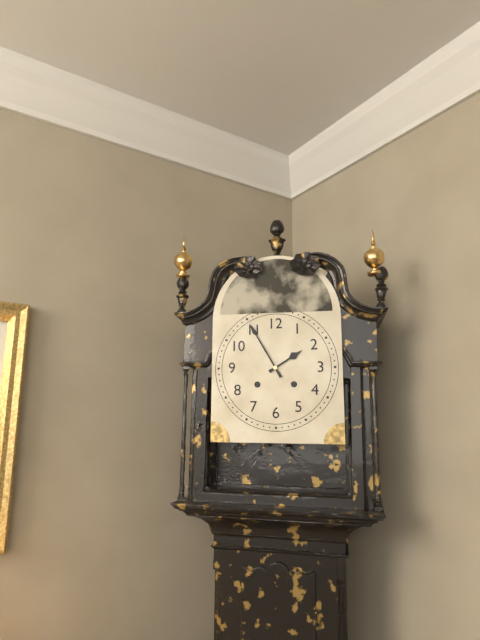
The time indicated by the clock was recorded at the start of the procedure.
1:55
